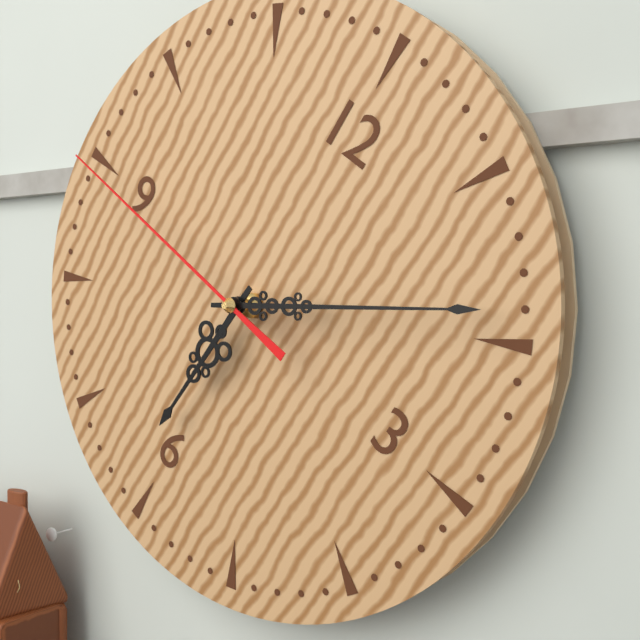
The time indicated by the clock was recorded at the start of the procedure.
6:09:45
